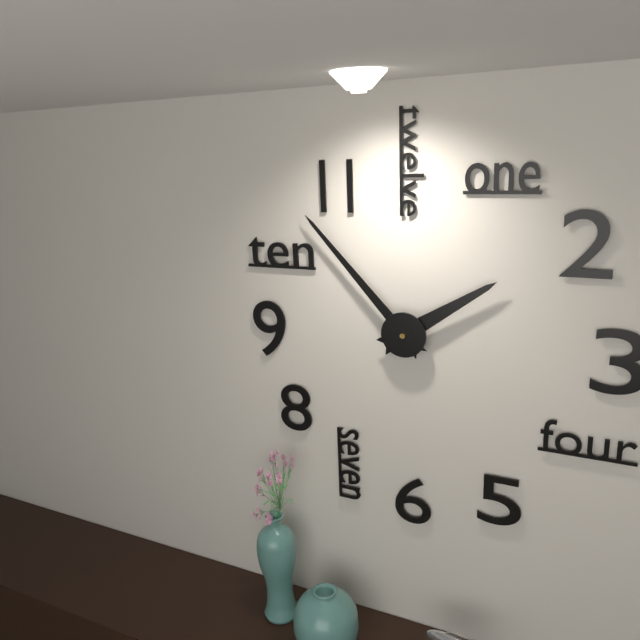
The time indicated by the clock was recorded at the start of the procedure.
1:53
